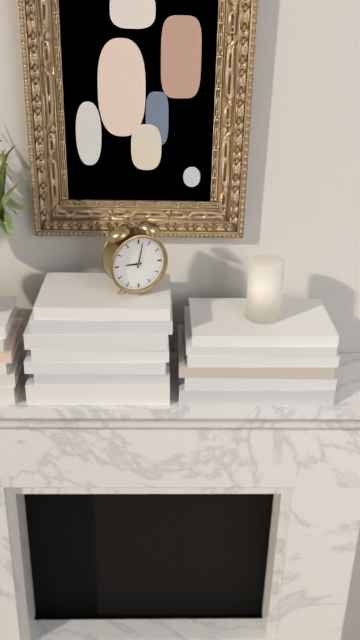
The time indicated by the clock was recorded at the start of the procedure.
9:02
